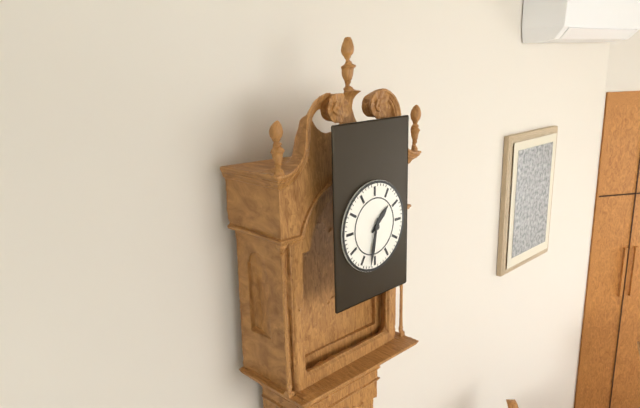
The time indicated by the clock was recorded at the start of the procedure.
1:32
